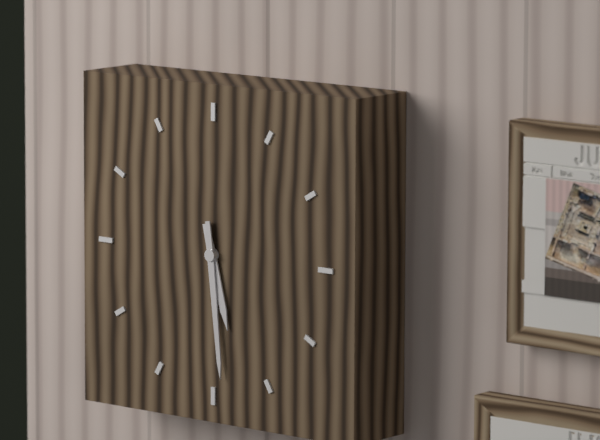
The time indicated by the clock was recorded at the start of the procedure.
5:29
